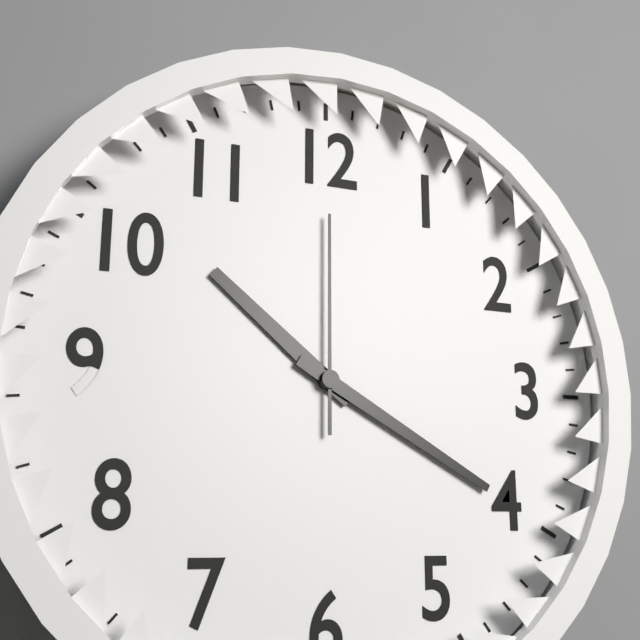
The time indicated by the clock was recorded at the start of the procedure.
10:20:00
